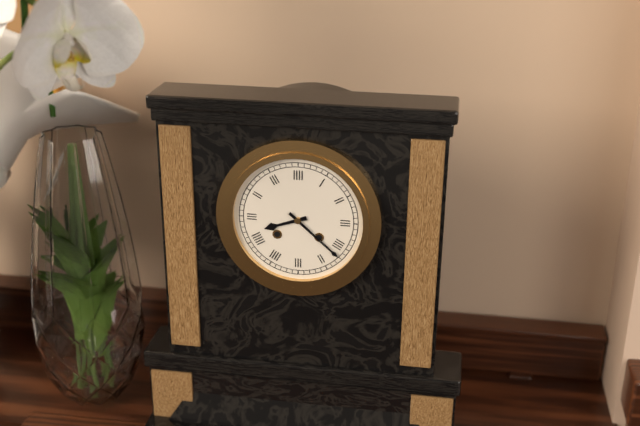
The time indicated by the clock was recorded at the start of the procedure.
8:22
